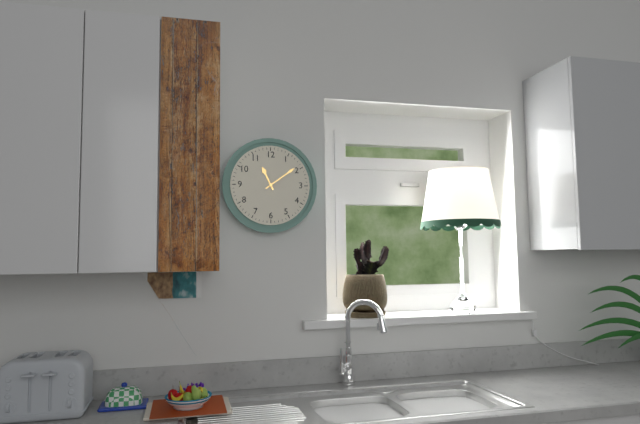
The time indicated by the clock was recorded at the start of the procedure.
11:09
